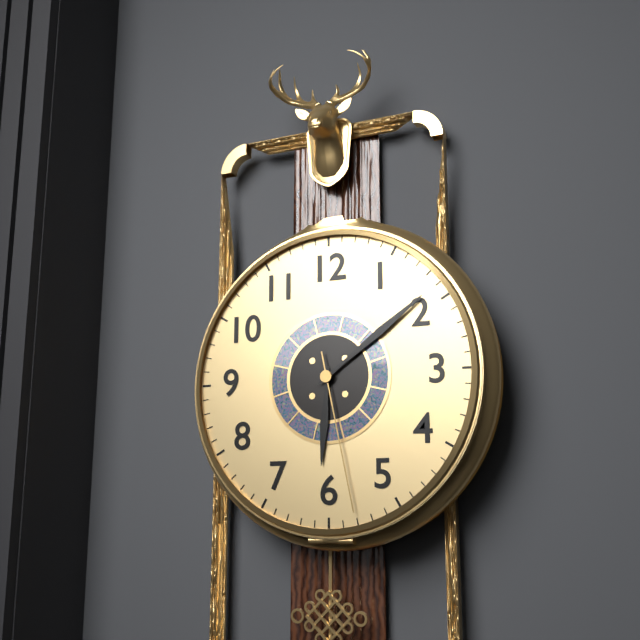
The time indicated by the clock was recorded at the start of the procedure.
6:09:28
